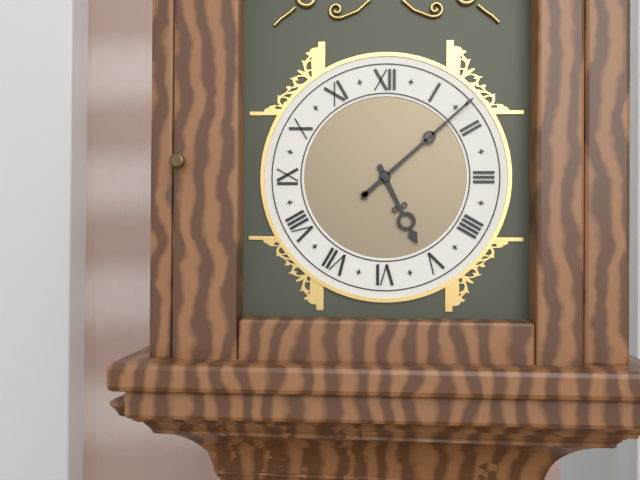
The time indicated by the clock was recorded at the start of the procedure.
5:08
